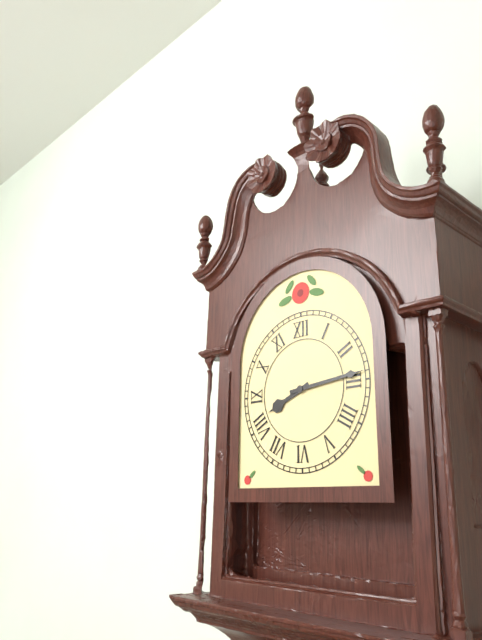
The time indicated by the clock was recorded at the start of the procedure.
8:14
